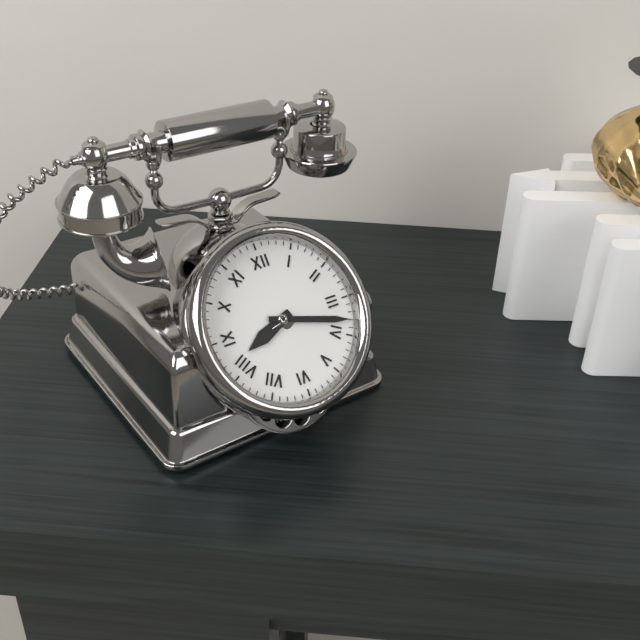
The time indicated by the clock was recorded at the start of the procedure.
8:18
